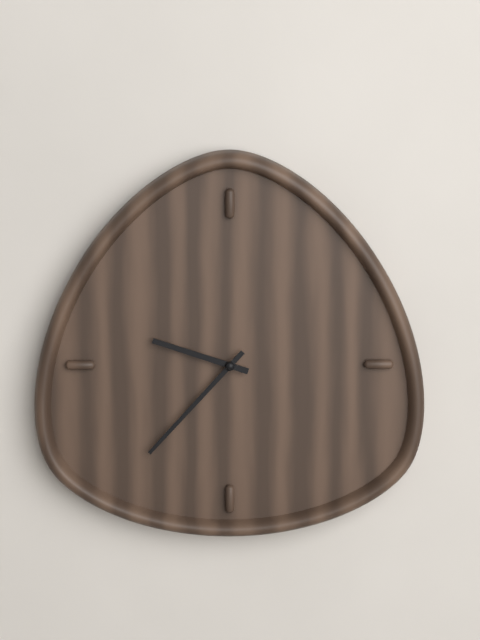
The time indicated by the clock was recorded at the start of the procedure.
9:37
